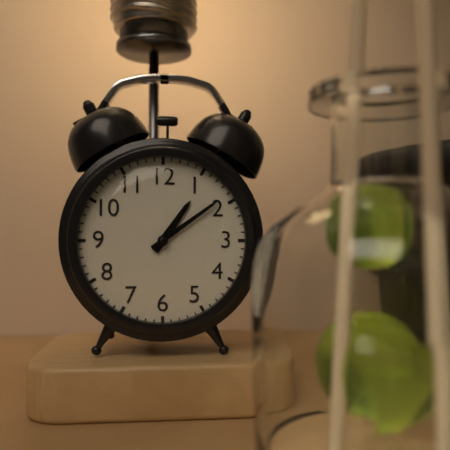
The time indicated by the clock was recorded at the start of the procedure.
1:09
